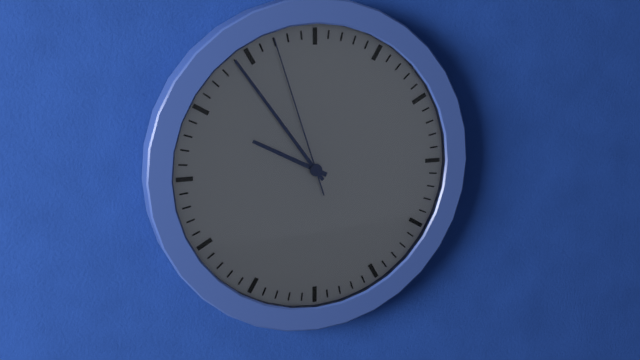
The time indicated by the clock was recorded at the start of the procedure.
9:54:57
